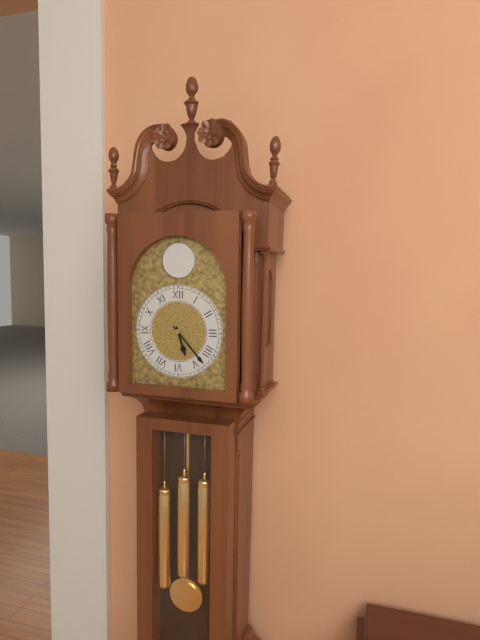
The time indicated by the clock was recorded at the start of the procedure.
5:23
